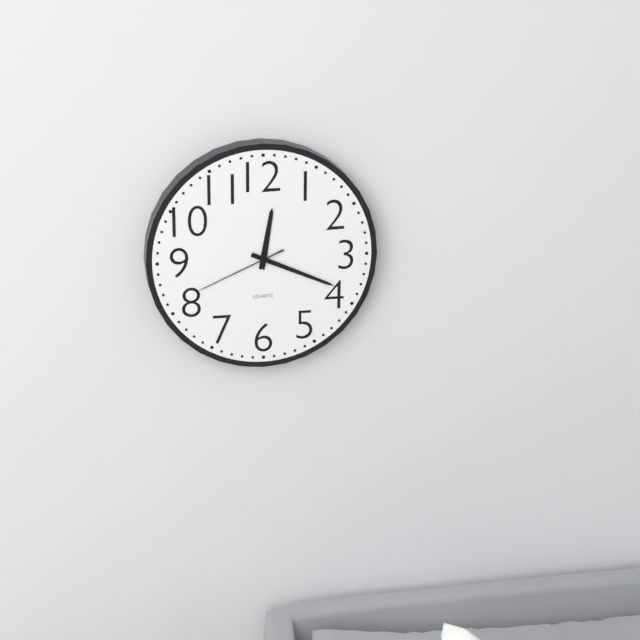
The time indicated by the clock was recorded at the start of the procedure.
12:19:41
